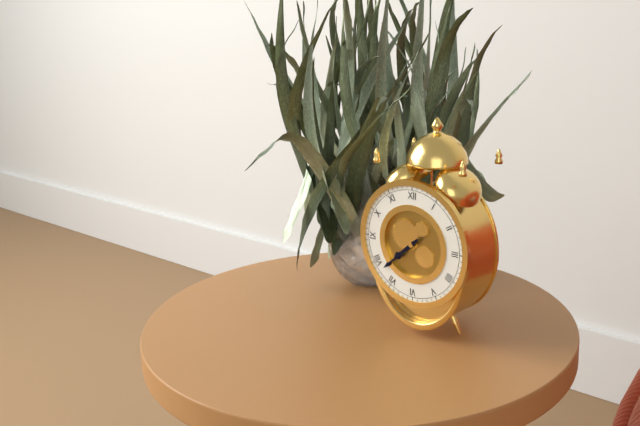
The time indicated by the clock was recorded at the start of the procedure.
7:38
